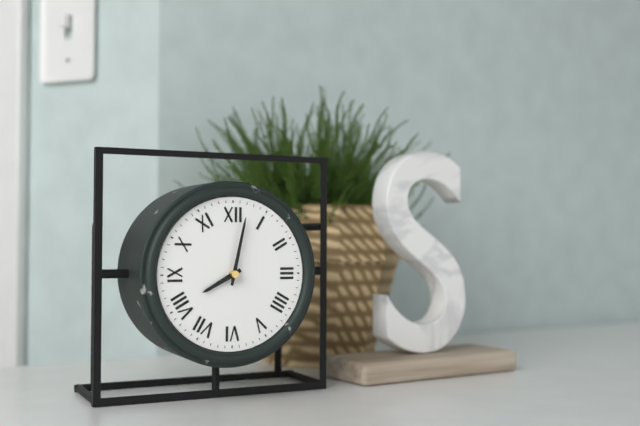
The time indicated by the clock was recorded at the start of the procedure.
8:02
